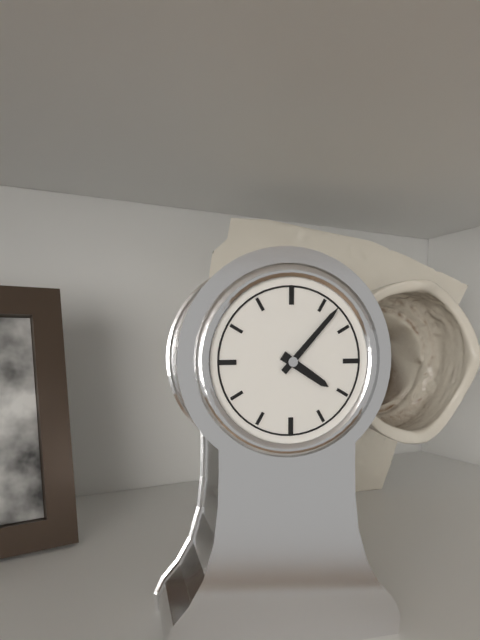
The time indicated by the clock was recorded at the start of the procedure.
4:07
